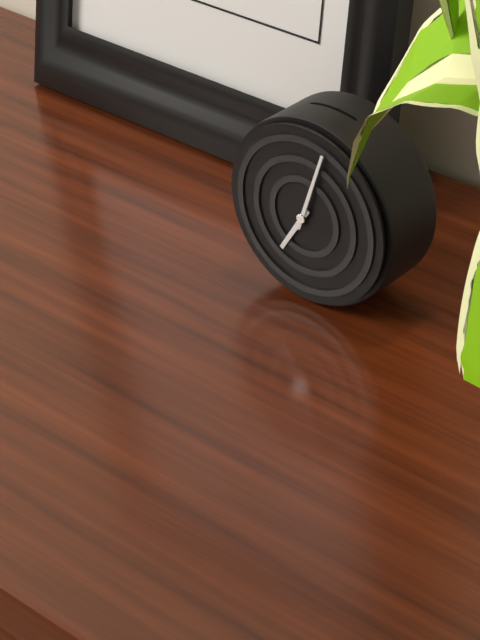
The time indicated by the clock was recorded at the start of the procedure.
7:03
